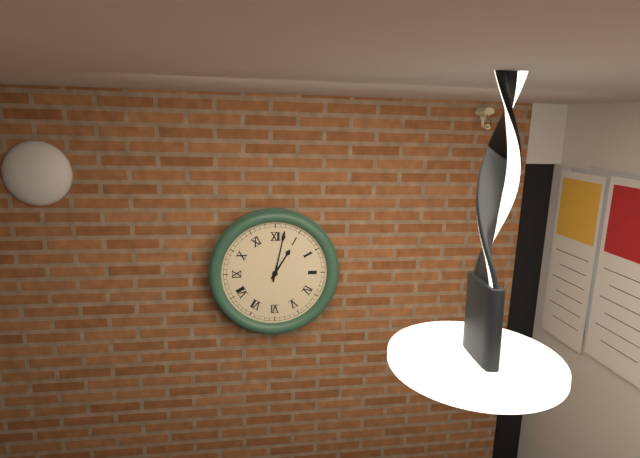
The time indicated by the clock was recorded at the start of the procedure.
1:02
